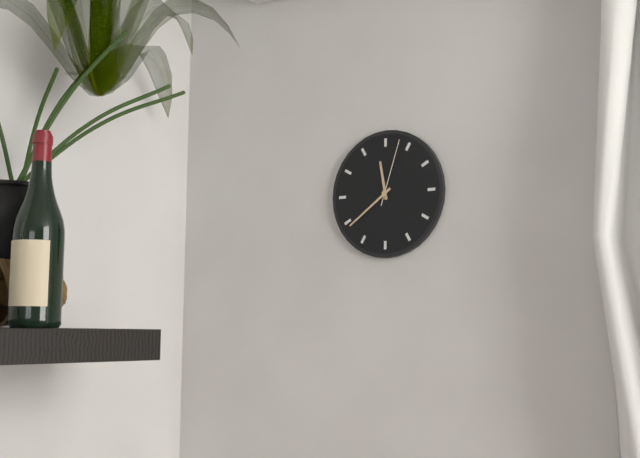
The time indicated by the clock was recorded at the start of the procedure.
11:39:03
